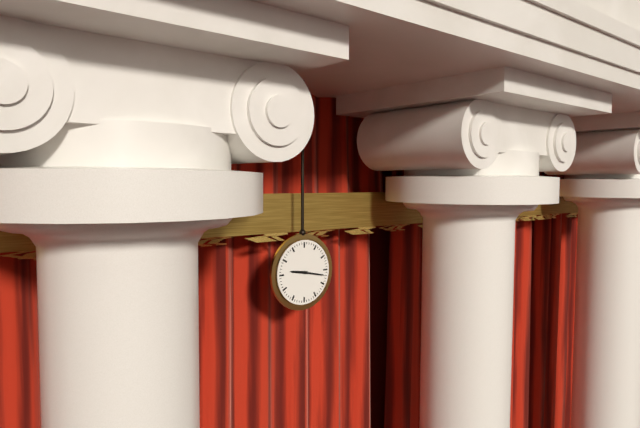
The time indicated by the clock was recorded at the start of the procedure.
9:17
